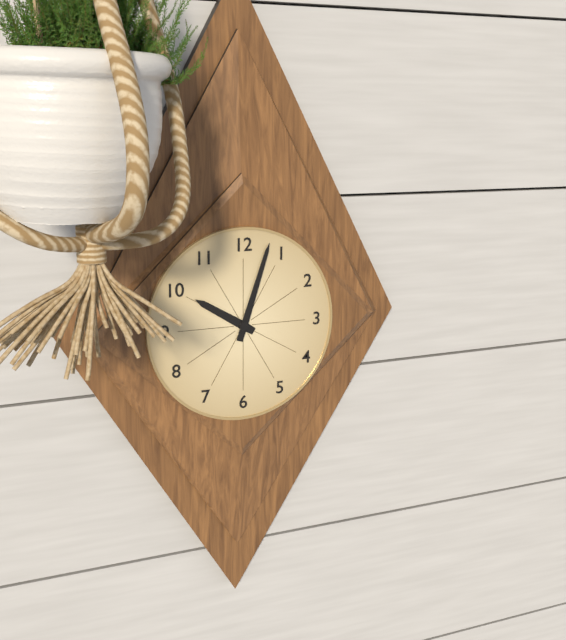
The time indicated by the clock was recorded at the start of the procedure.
10:03
